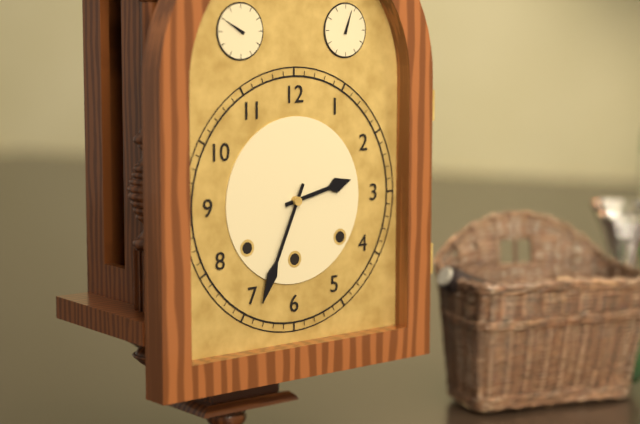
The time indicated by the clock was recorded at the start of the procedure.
2:34
